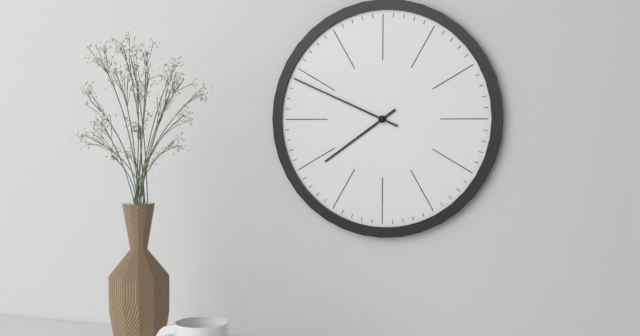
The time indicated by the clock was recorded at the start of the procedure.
7:49
